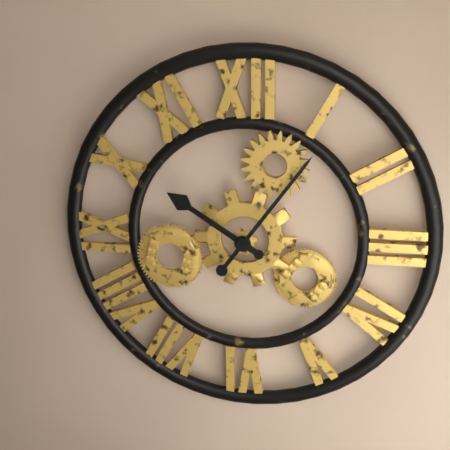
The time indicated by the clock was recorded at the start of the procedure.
10:06
